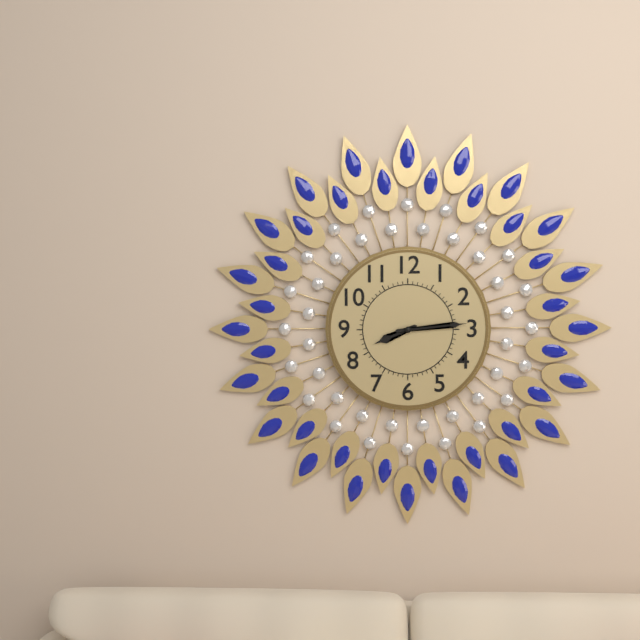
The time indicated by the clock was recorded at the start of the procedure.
8:14
